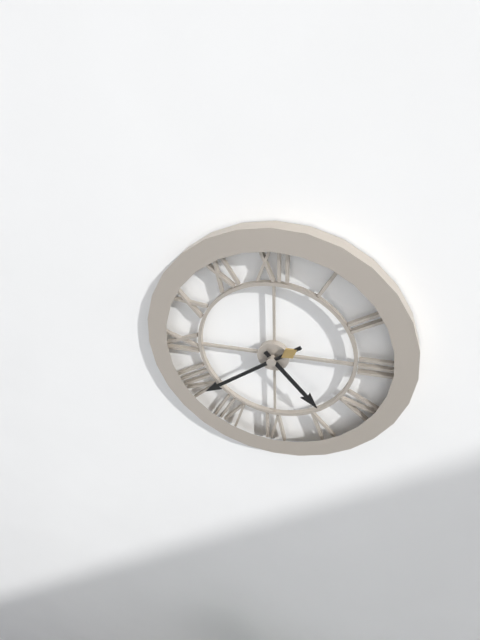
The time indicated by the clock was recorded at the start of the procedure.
4:39
